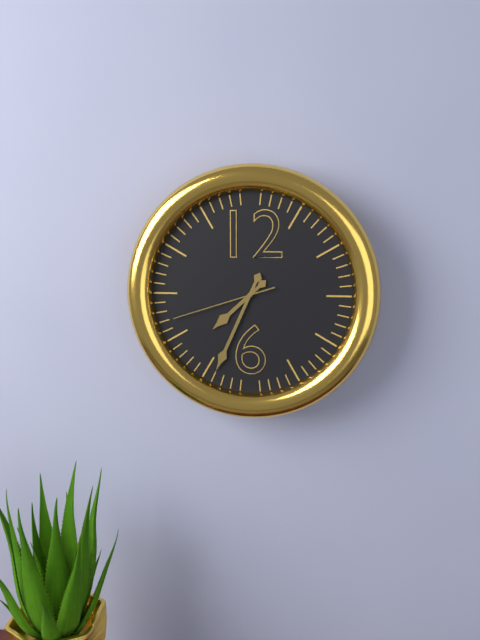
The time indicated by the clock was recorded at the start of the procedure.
7:34:42
